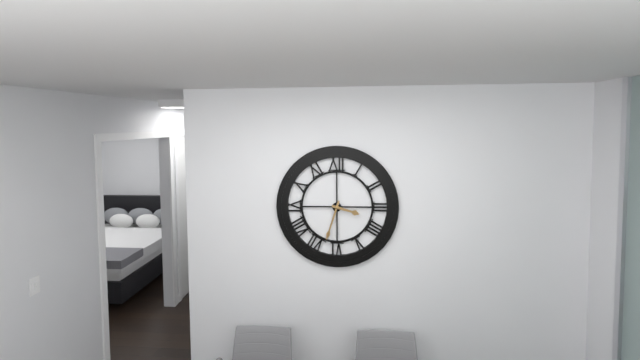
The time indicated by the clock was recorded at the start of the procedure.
3:33
